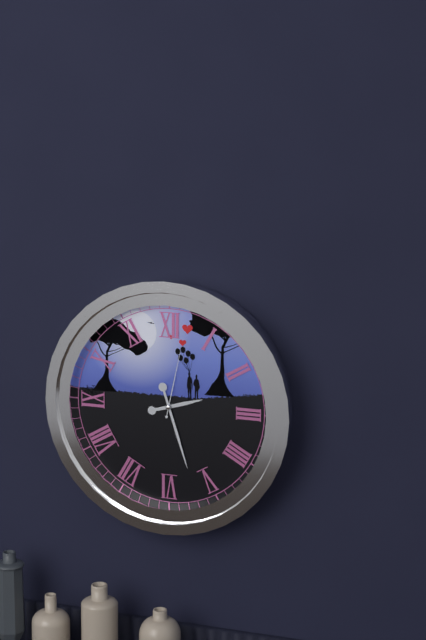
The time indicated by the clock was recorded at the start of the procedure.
2:27:02
